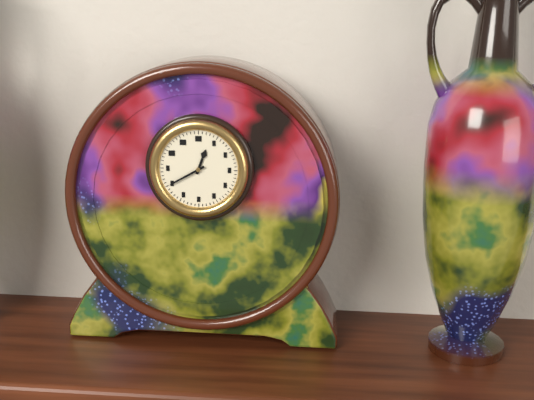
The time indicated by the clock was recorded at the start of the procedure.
12:40
